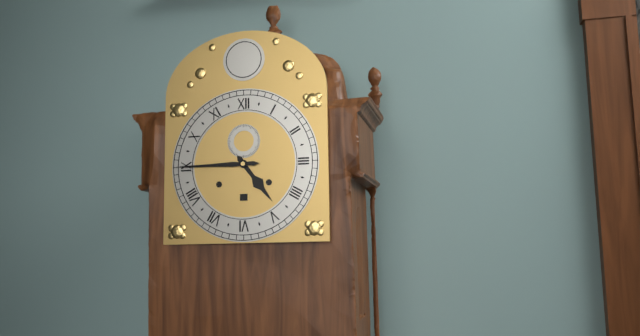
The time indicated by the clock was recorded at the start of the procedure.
4:45
